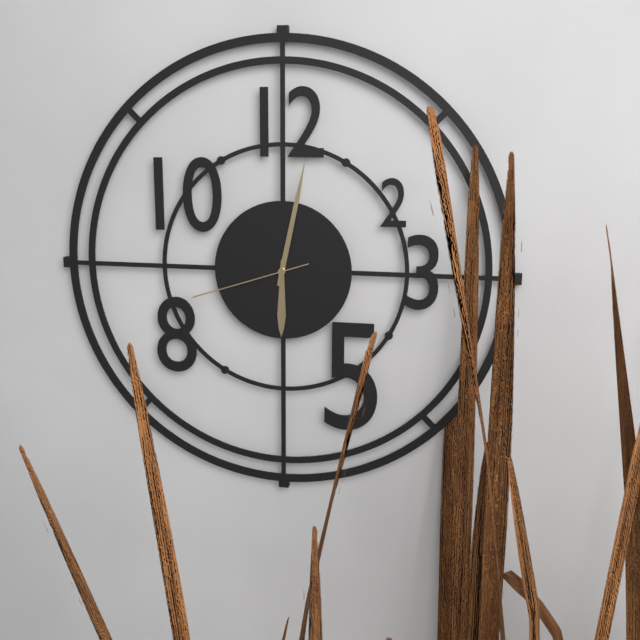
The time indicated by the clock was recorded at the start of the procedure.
6:02:42
